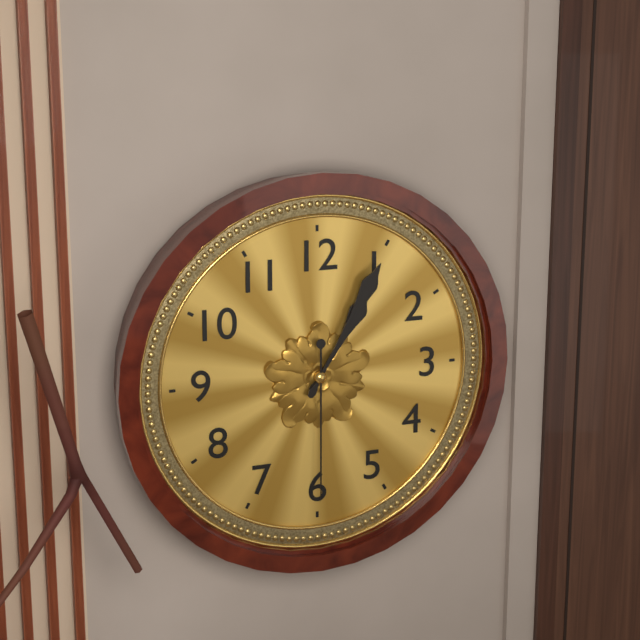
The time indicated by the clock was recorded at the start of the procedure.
1:05:30
